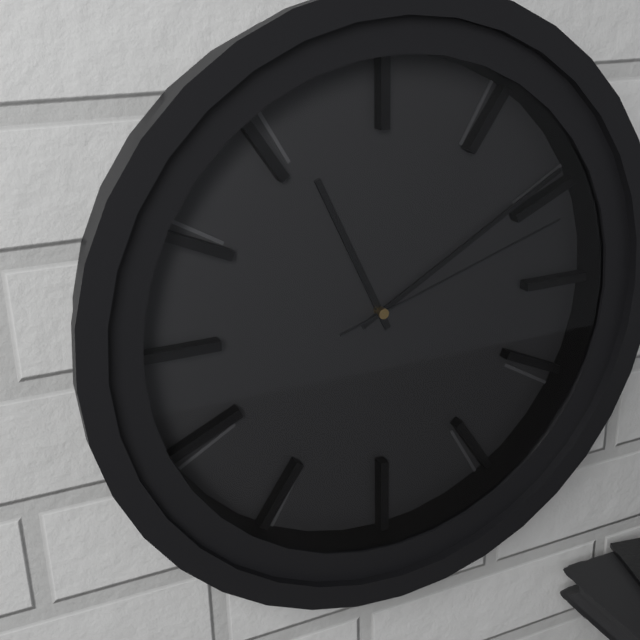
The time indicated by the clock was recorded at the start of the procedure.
11:10:12
